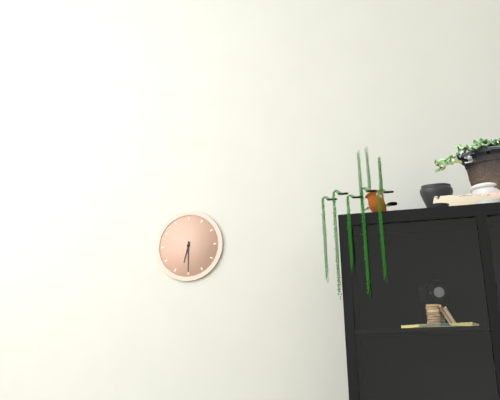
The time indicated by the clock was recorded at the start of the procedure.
6:30
